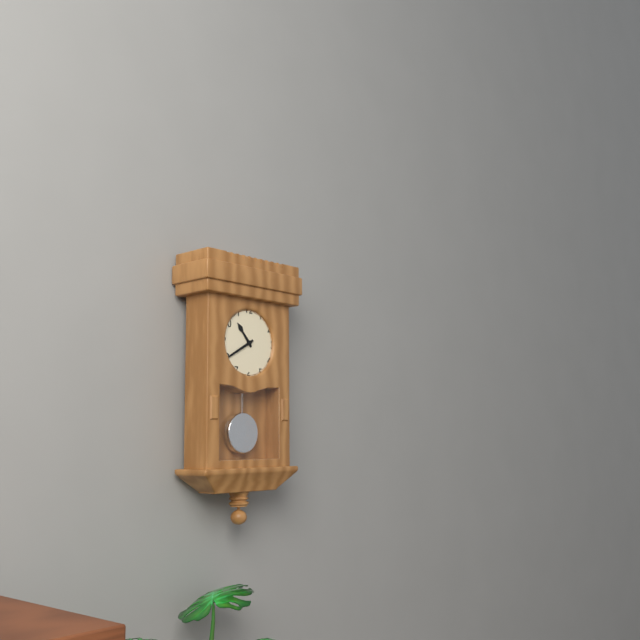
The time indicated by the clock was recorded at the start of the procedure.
10:40
